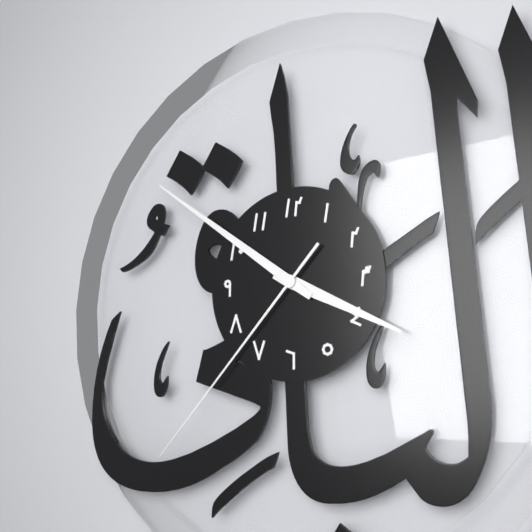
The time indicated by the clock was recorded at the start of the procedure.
3:51:37
